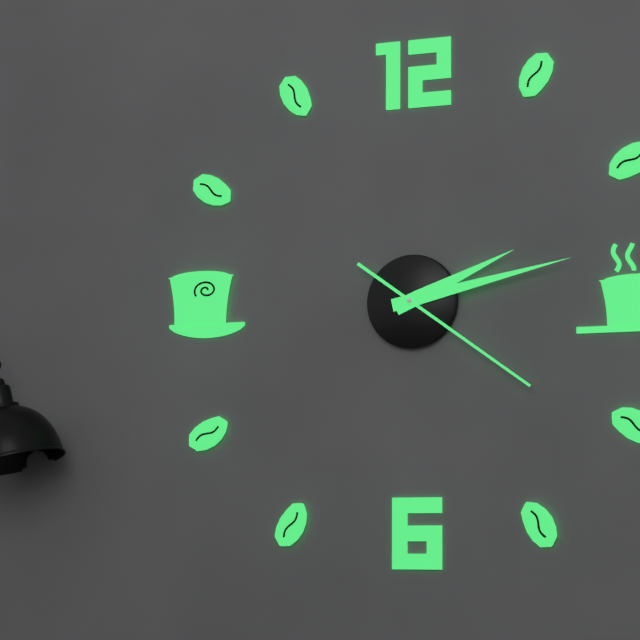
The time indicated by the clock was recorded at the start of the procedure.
2:13:21
